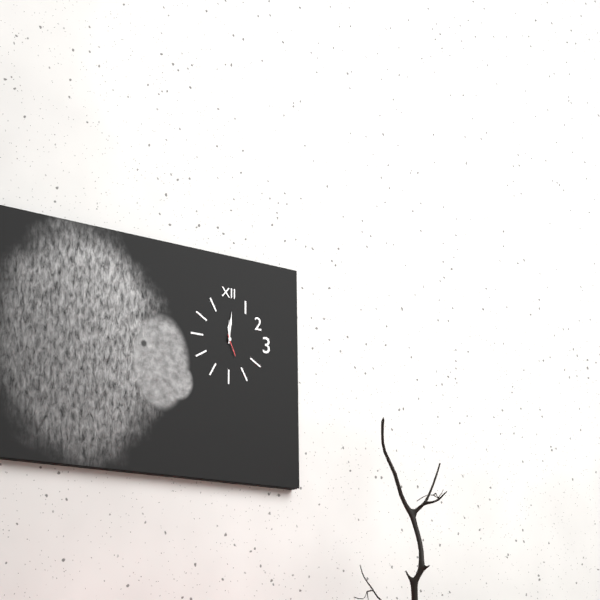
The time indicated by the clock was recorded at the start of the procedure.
12:01
